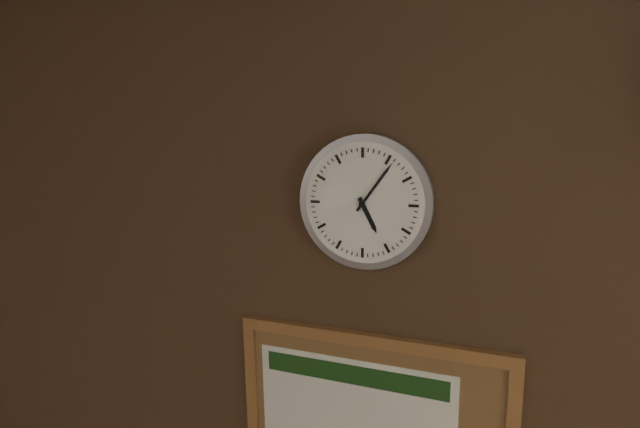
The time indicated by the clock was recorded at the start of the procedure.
5:06
